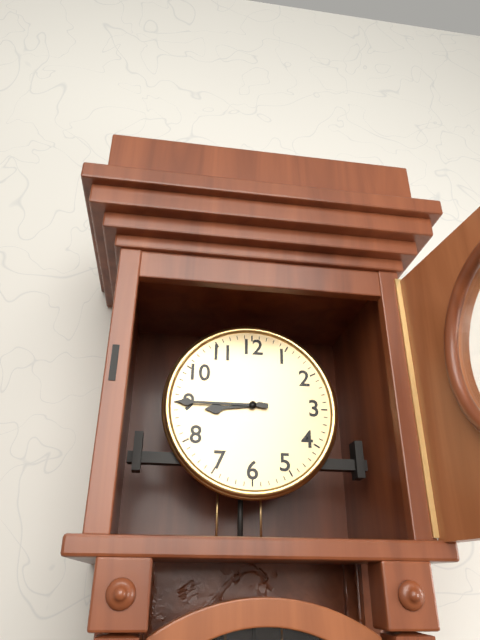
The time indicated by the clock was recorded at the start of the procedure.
8:45
